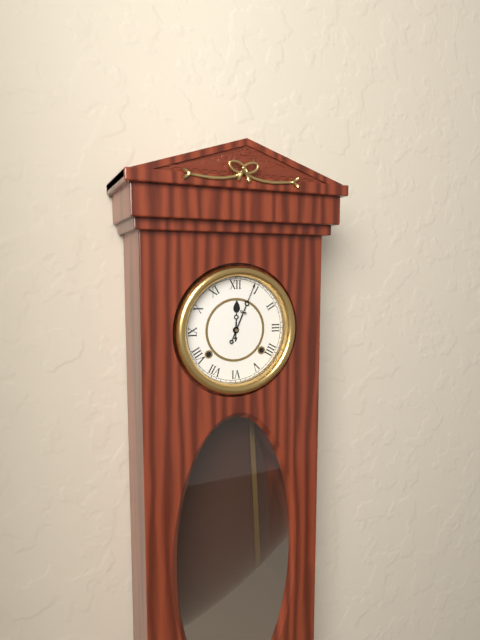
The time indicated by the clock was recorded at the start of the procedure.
12:04
